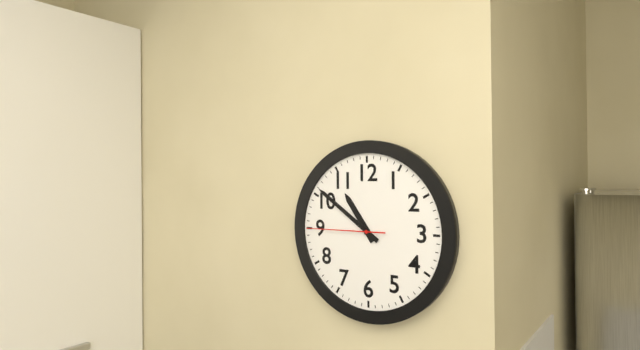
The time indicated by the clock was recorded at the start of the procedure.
10:51:45
